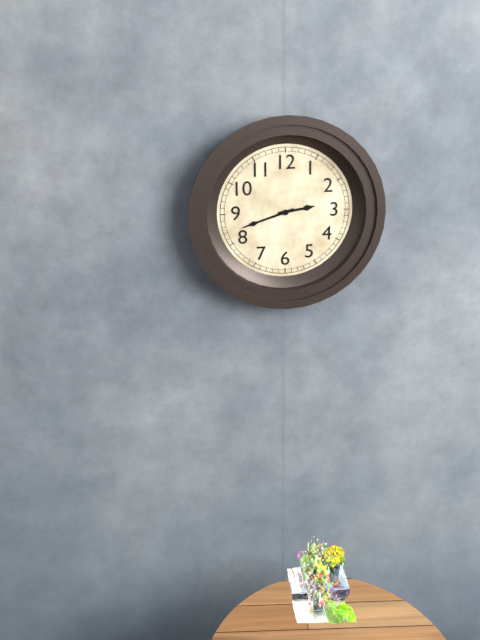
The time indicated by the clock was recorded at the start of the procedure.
2:42
